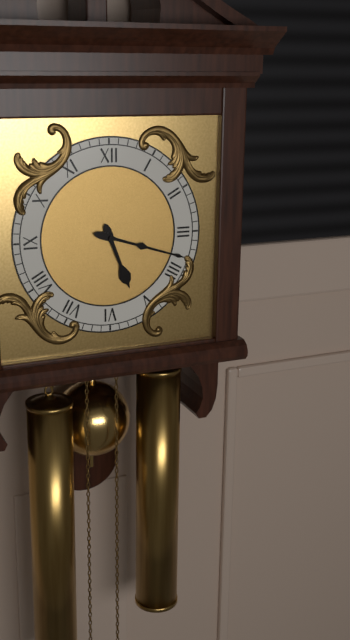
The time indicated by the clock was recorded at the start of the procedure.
5:18
